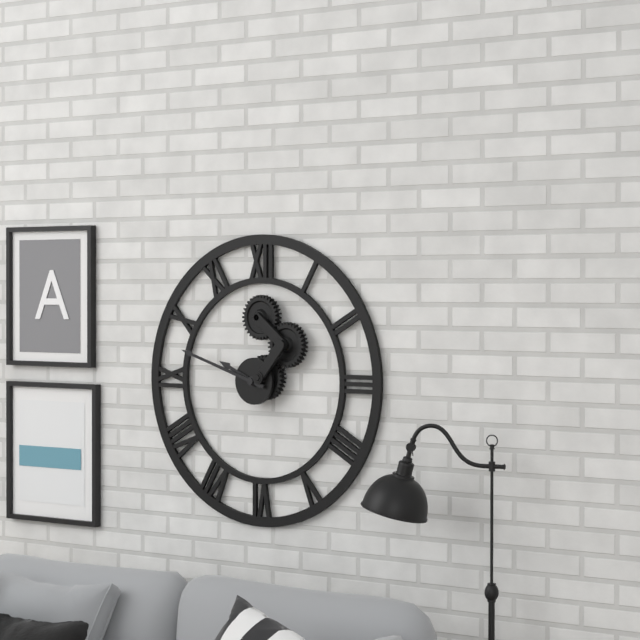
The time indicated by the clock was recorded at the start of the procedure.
9:48
